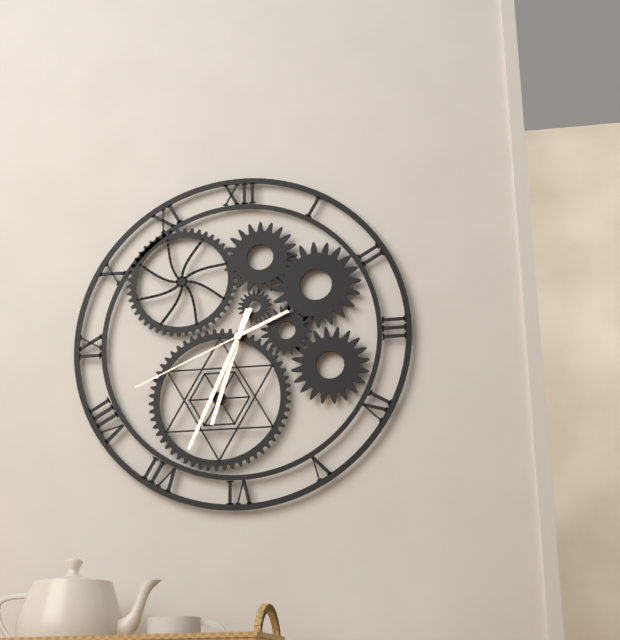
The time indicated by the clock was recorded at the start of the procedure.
6:34:41
